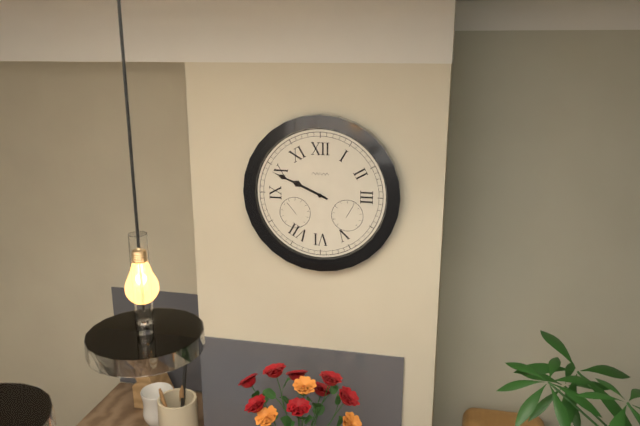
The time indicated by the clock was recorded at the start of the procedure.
9:49
